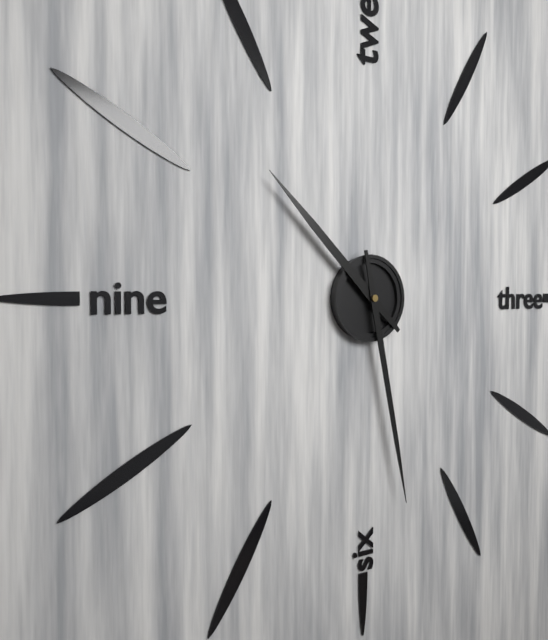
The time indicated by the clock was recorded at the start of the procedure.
10:28
